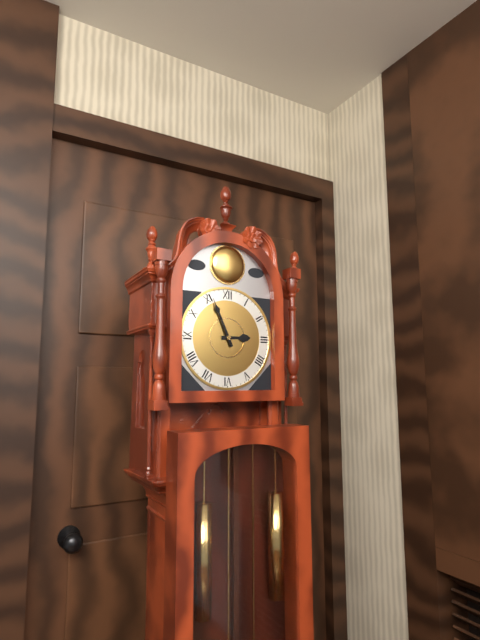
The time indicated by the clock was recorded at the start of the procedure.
2:56
